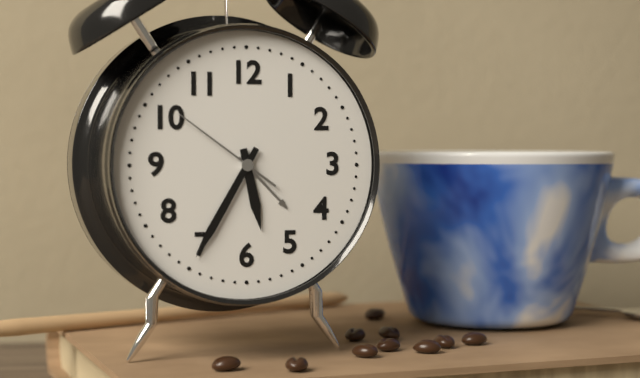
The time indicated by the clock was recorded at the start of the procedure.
5:35:51
